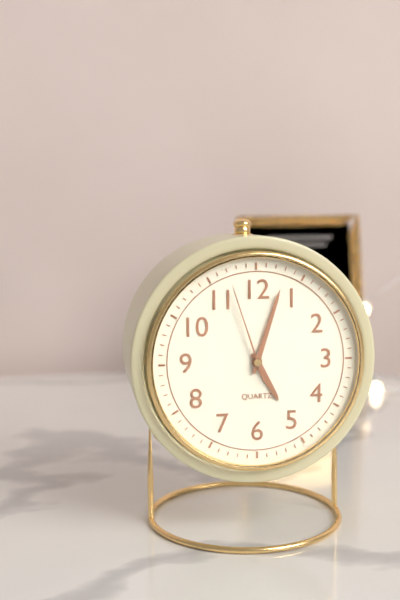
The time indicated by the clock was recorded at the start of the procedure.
5:03:57
